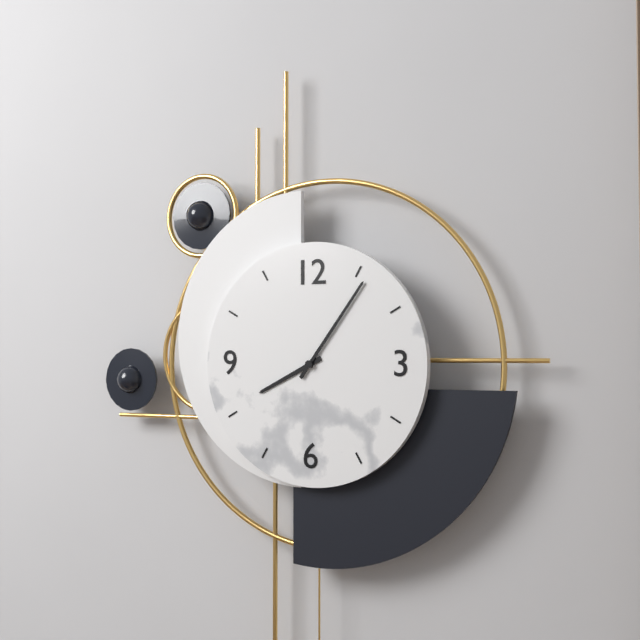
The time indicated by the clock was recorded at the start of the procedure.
8:06
